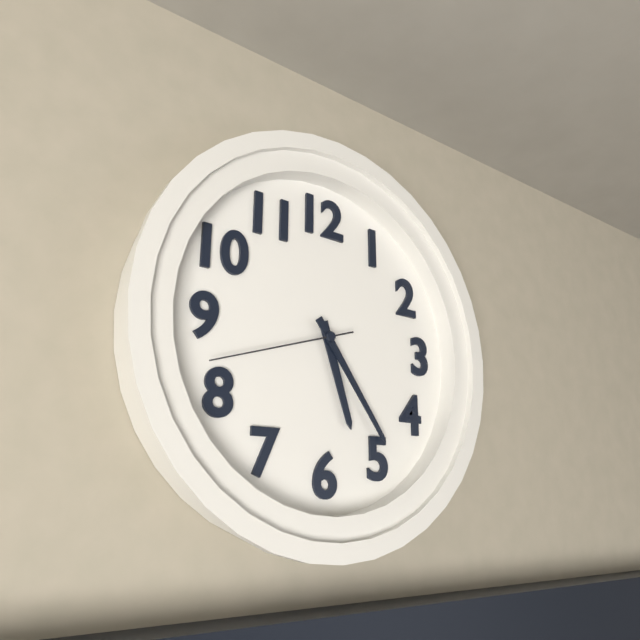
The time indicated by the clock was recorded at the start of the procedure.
5:24:42
